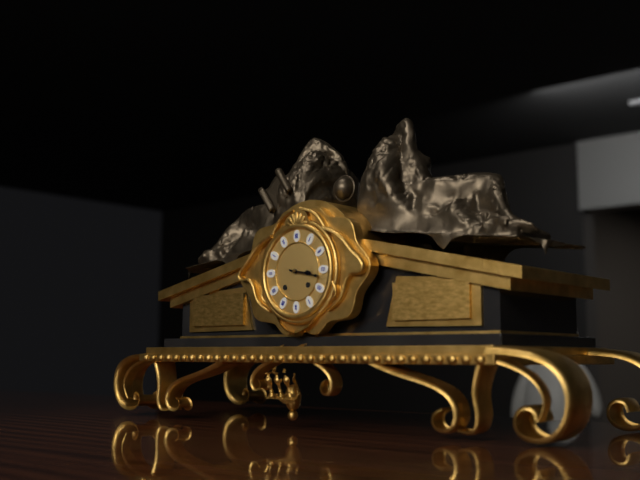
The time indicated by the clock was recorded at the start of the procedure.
3:17
